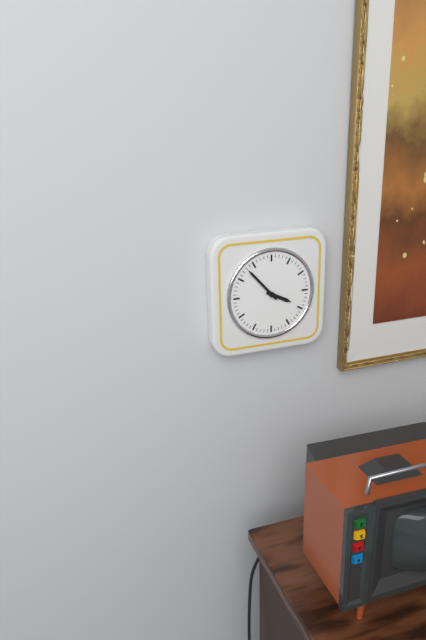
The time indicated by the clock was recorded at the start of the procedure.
3:53
